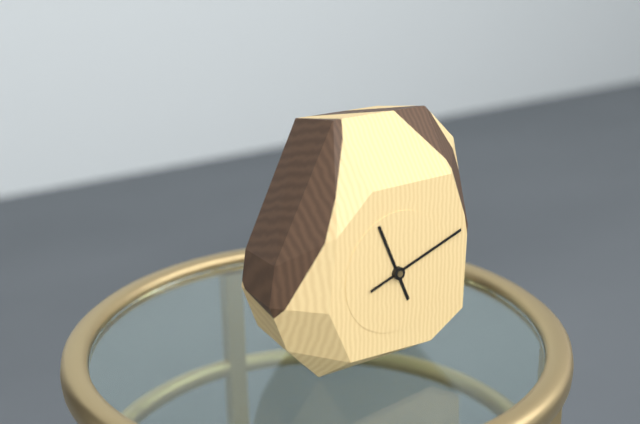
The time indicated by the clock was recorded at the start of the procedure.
11:12
